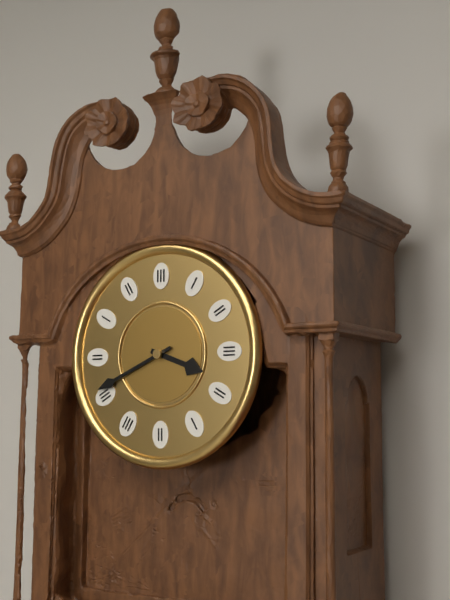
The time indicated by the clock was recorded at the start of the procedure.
3:41
